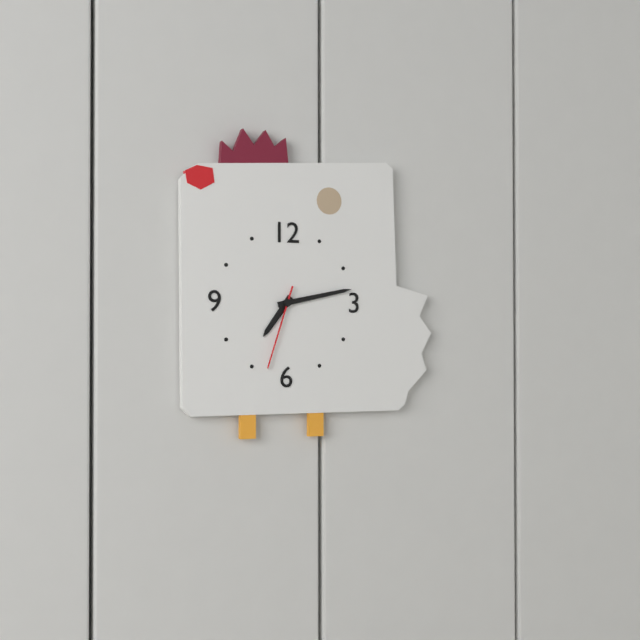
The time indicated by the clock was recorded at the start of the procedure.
7:13:33
